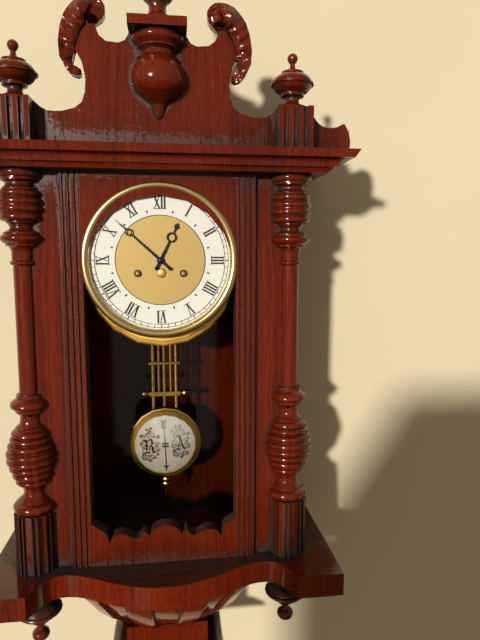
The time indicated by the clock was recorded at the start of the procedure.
12:52
